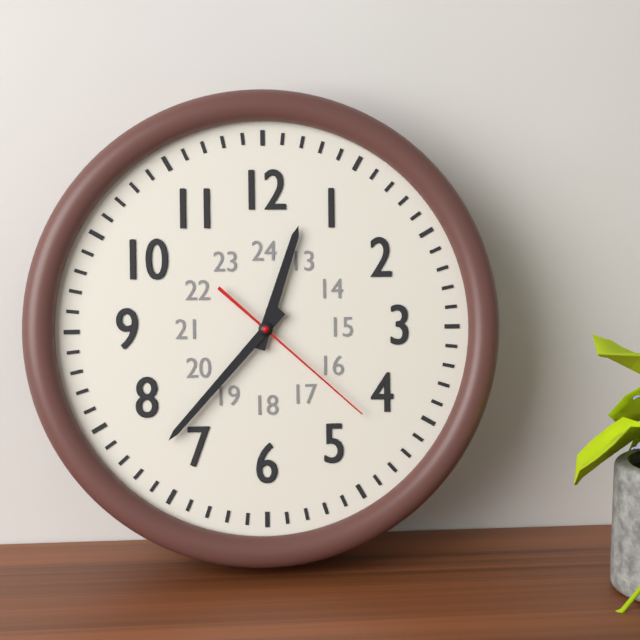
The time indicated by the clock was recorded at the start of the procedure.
12:37:22
